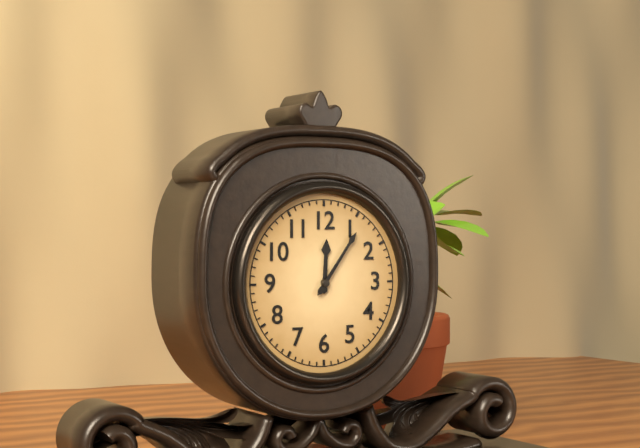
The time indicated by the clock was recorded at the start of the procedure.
12:06
